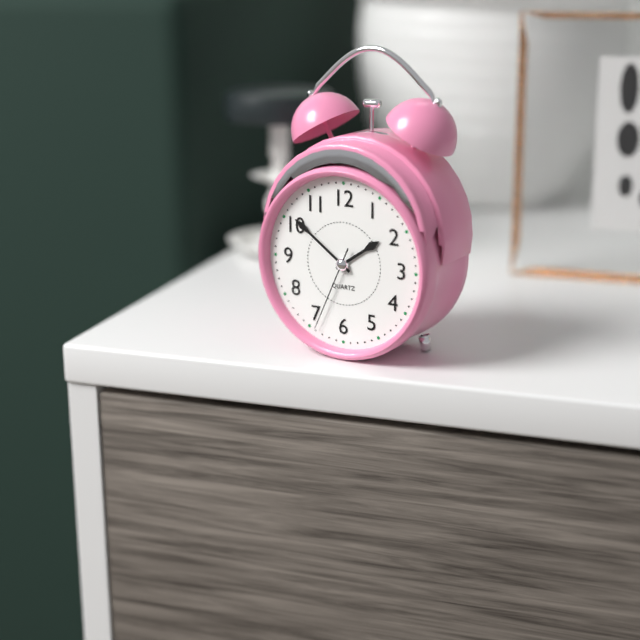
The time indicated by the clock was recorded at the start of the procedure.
1:51:34
